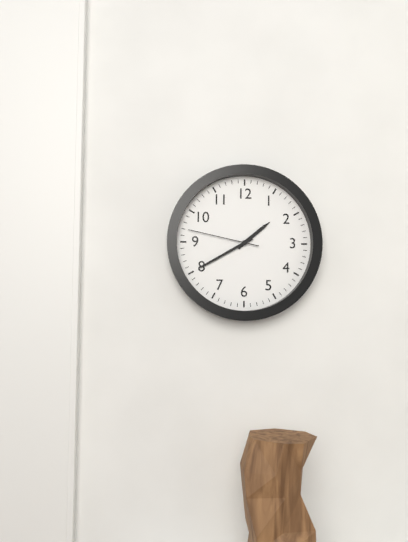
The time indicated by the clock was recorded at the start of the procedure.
1:40:47
